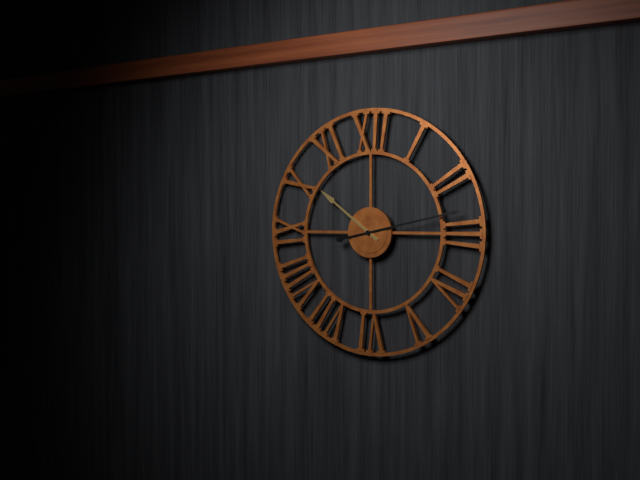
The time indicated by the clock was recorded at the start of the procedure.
10:13
